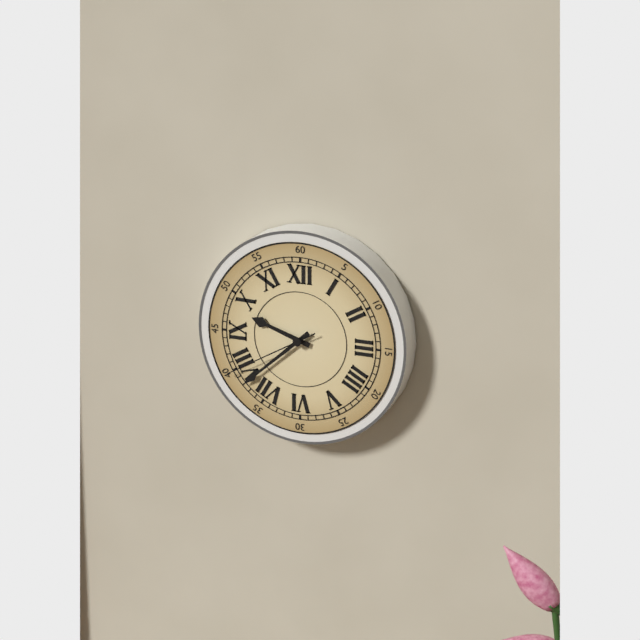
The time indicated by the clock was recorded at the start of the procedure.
9:38:40
